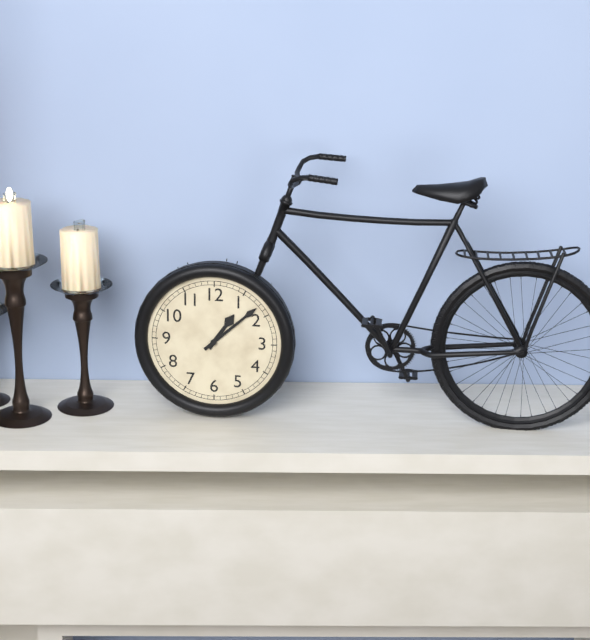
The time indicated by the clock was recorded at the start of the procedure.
1:08
